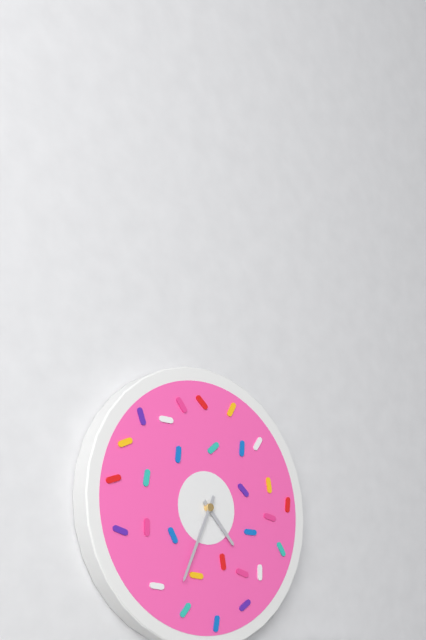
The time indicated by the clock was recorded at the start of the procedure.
4:34
